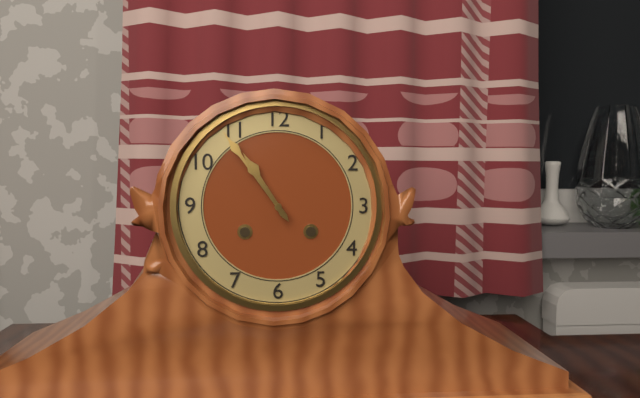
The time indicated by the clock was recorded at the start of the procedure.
10:54
